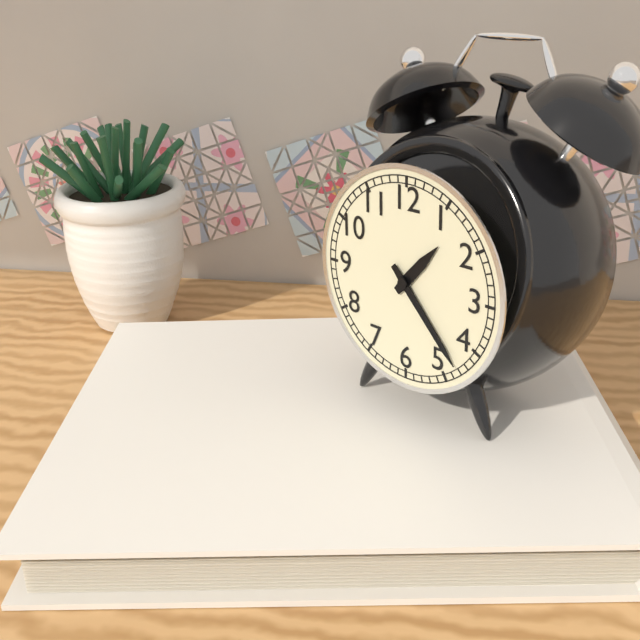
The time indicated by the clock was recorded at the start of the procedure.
1:23
